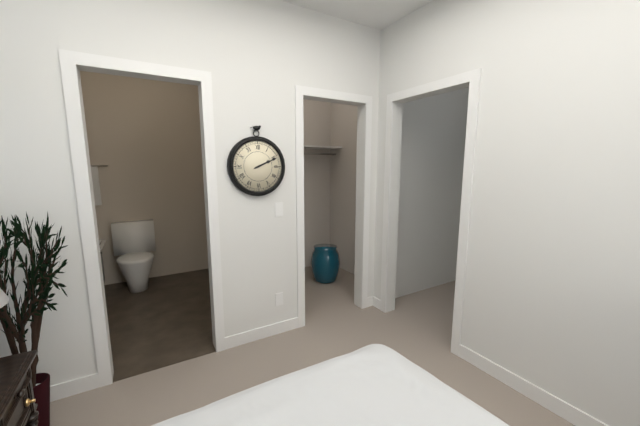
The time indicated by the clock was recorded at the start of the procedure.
2:11
